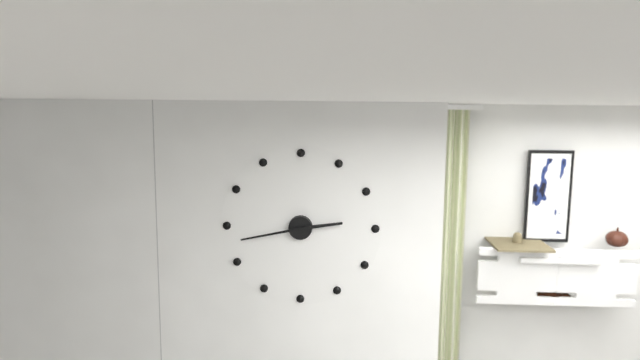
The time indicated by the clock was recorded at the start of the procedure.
2:43
